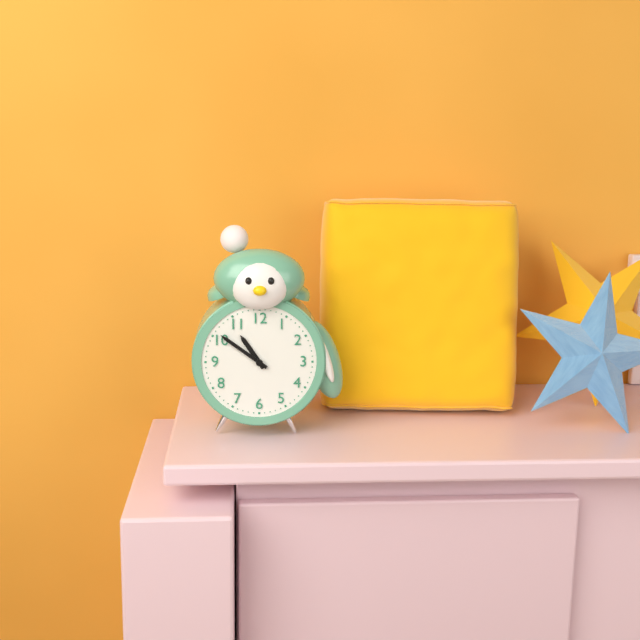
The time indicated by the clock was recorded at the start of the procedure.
10:51
